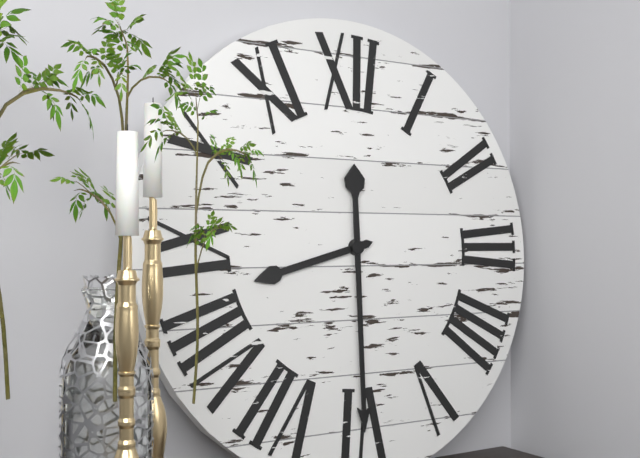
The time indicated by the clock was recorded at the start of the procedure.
8:30
